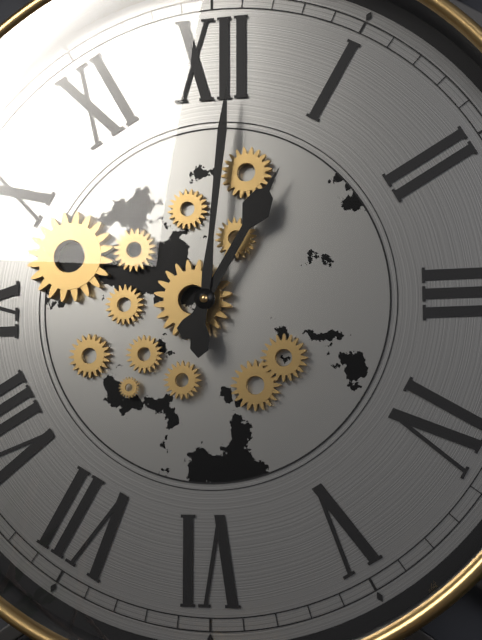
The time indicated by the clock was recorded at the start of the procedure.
1:01
